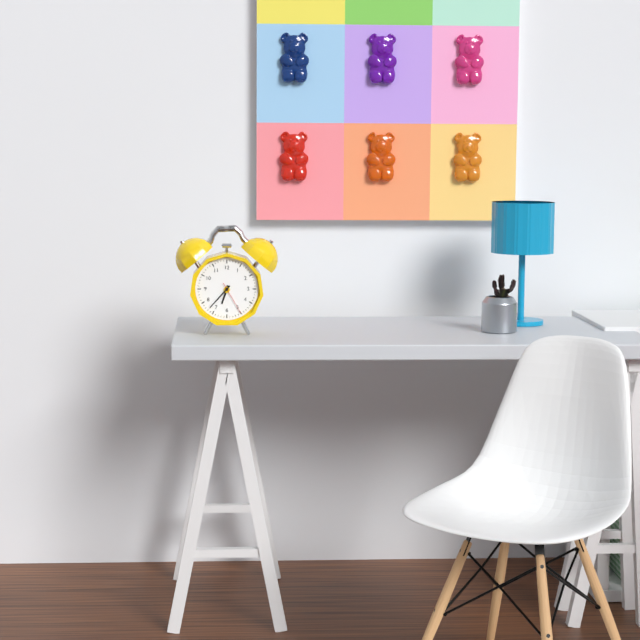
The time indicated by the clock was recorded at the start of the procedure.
6:37
